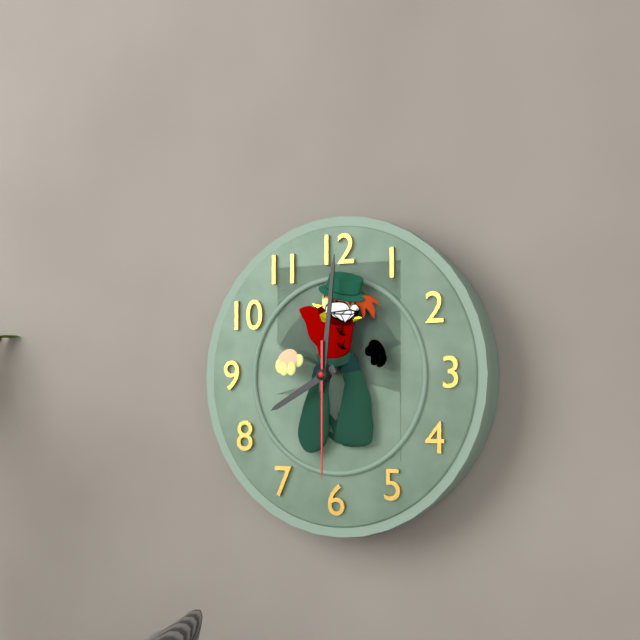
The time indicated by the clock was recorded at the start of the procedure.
8:01:30
